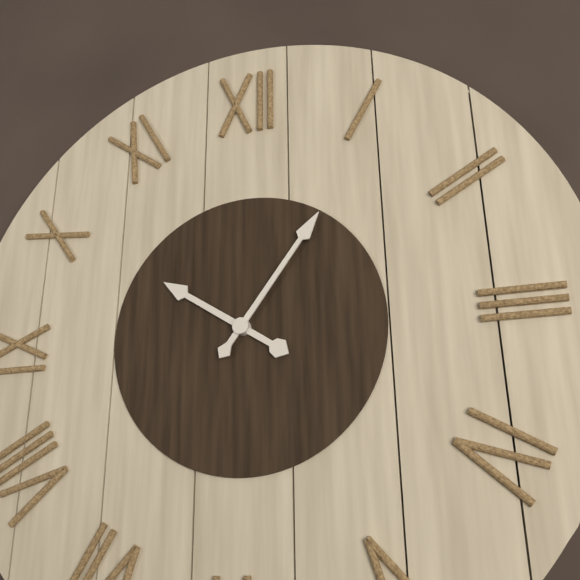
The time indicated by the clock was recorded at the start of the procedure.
10:06
